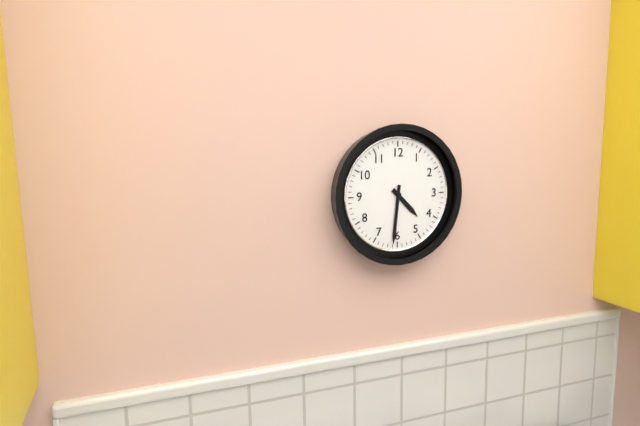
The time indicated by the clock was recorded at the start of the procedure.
4:31
